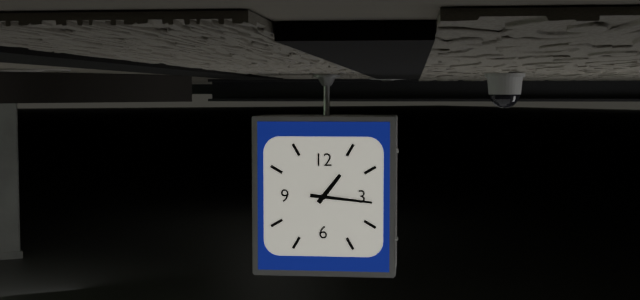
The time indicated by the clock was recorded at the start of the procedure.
1:16
